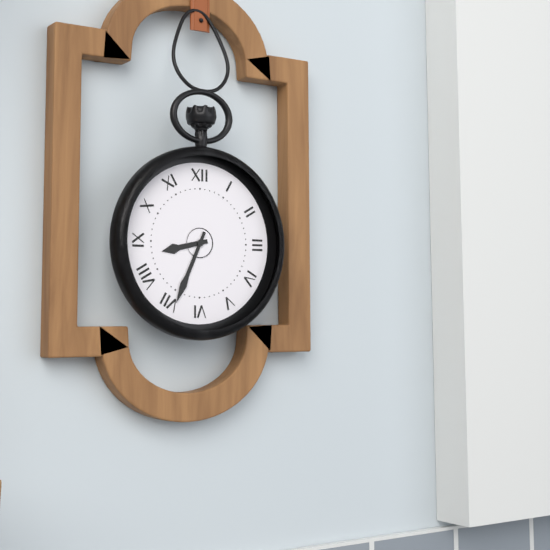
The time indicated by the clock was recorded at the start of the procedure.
8:34
